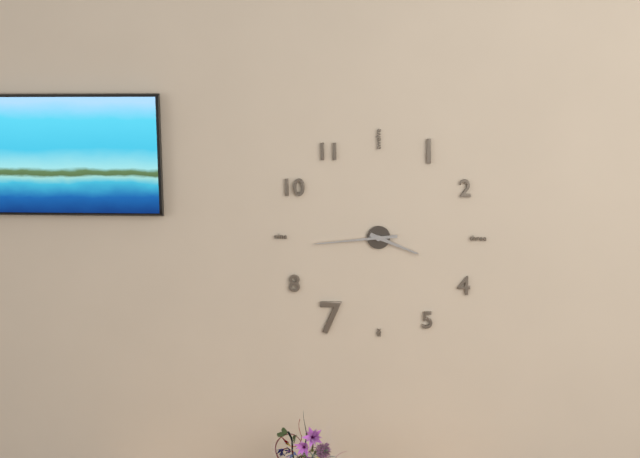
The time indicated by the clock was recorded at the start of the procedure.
3:44
